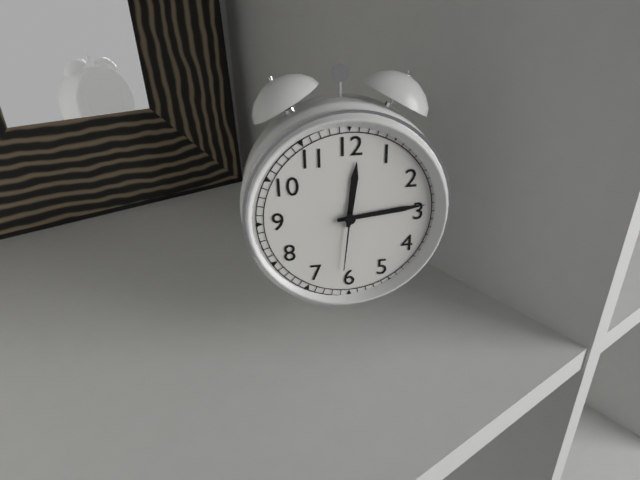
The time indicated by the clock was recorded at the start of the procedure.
12:14:31
